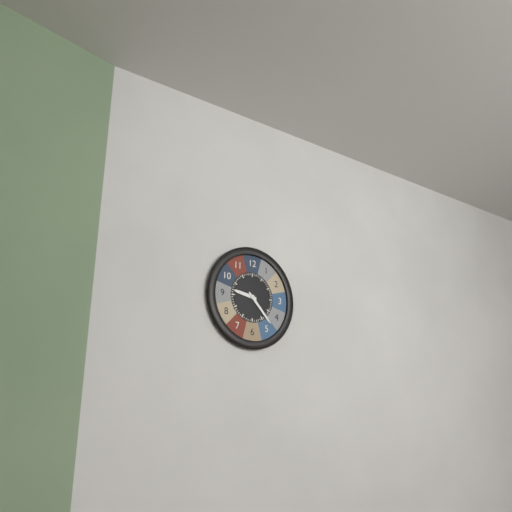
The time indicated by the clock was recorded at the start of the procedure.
9:23
